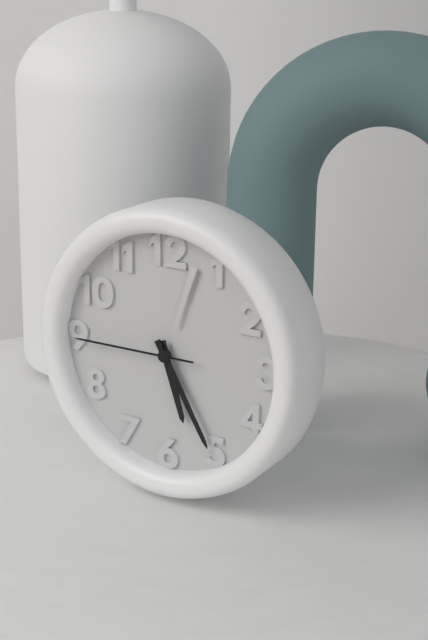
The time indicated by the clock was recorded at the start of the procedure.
5:25:45
